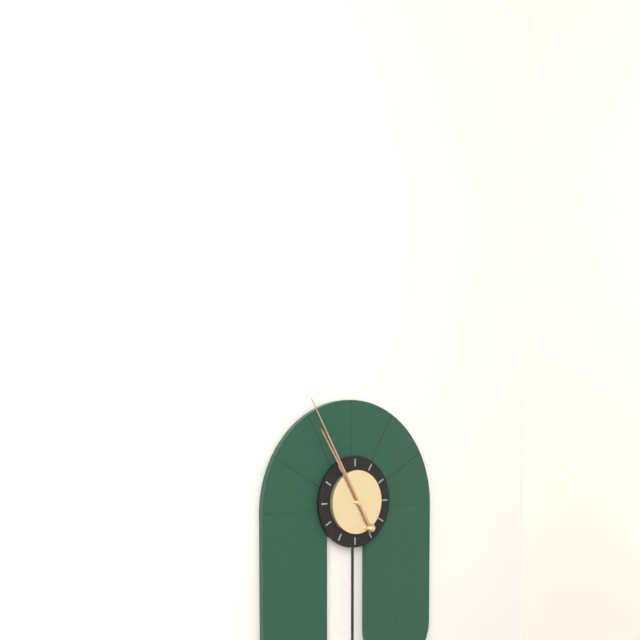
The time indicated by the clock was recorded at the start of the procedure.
10:55
